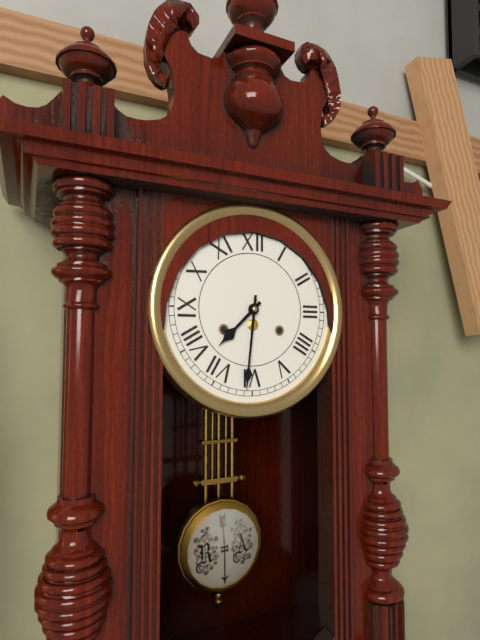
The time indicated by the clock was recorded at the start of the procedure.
7:31
